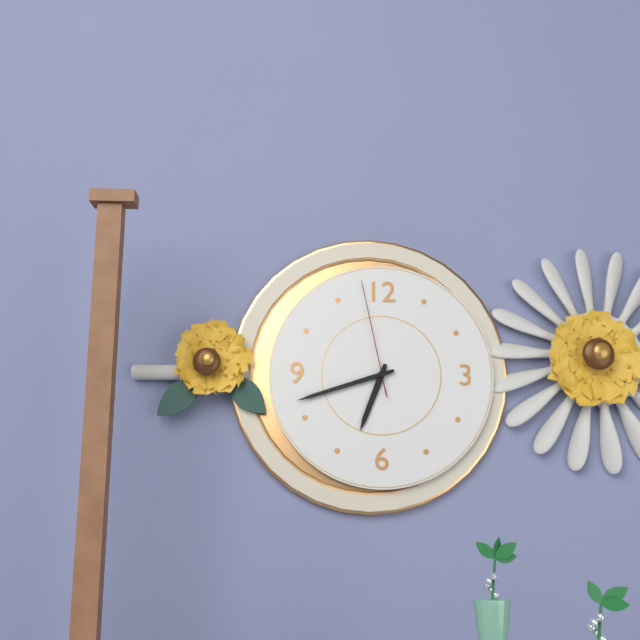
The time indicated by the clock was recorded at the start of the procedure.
6:42:58
